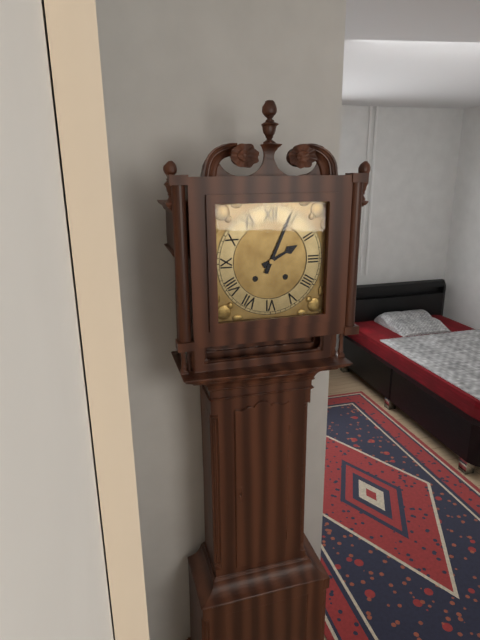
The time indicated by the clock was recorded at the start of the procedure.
2:04
